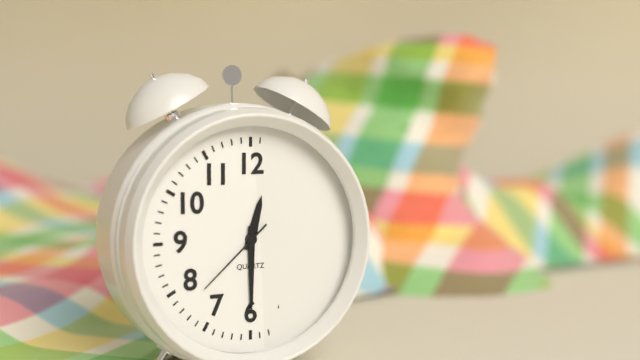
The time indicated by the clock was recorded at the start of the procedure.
12:30:38
